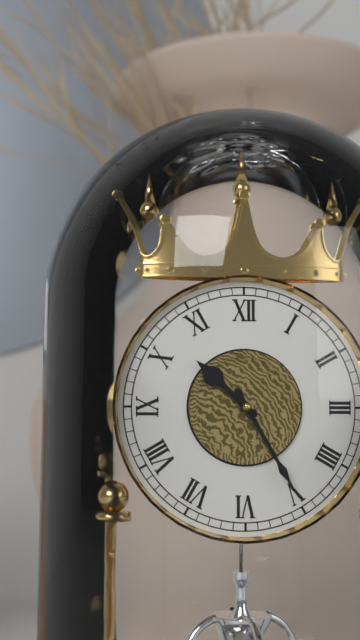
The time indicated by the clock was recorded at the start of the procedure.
10:25
